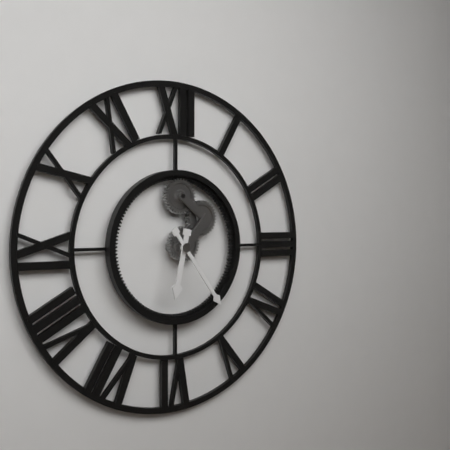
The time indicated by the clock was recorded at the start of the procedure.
6:24
